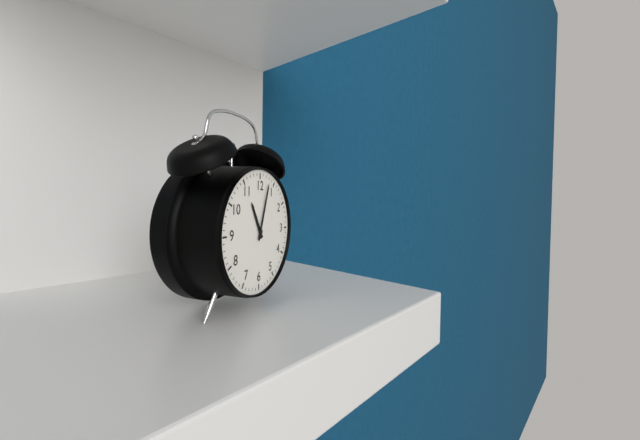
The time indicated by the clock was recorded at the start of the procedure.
11:03
